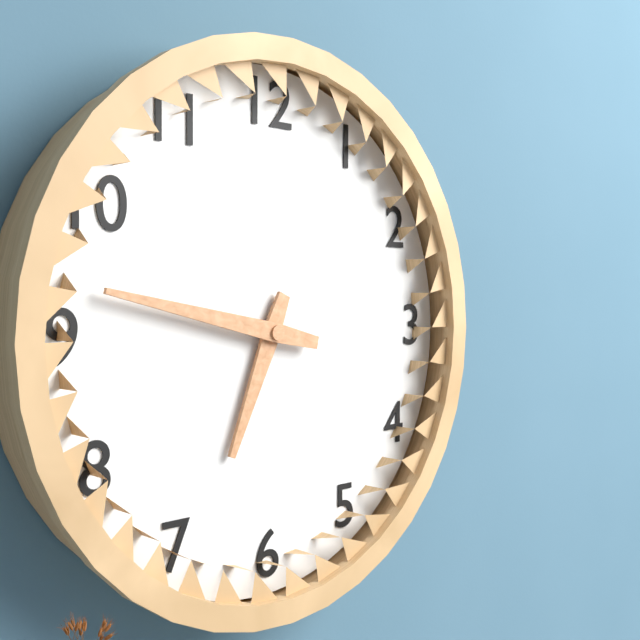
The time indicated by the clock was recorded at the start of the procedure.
6:47
